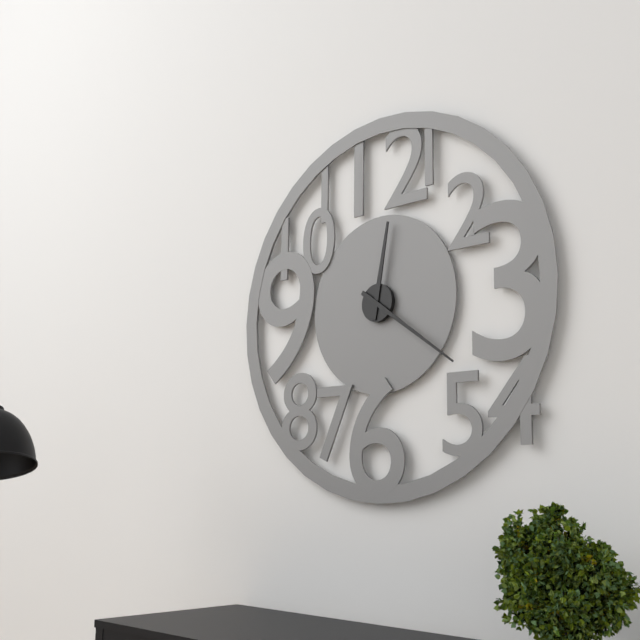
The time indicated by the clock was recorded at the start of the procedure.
12:21
